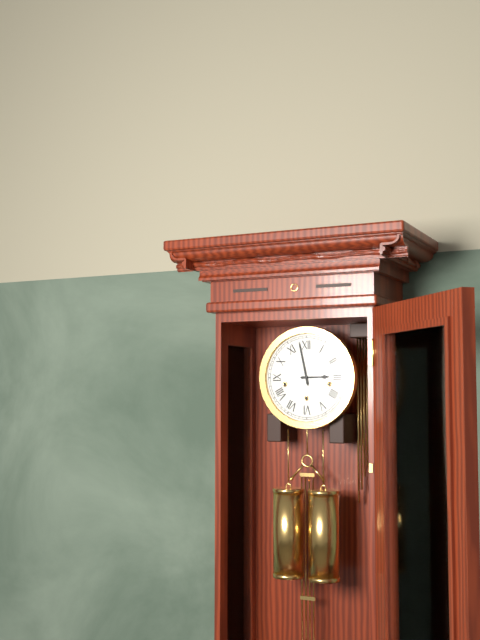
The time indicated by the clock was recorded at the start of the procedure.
2:58
